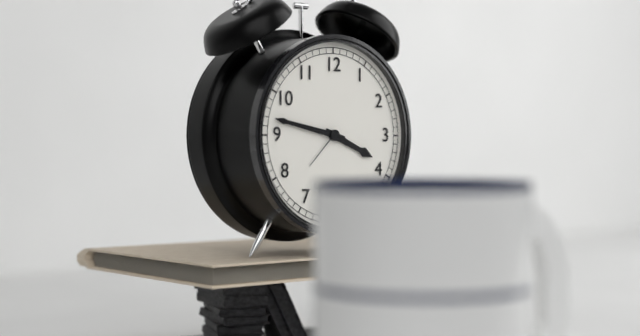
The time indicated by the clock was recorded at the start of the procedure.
3:47
